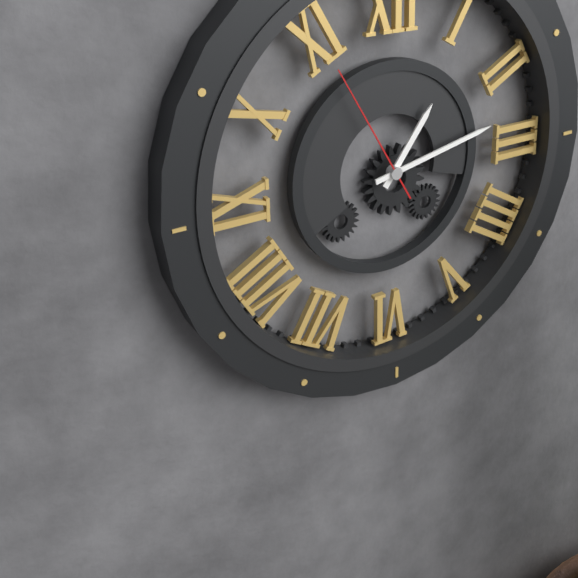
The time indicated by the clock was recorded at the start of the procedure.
1:13:55
